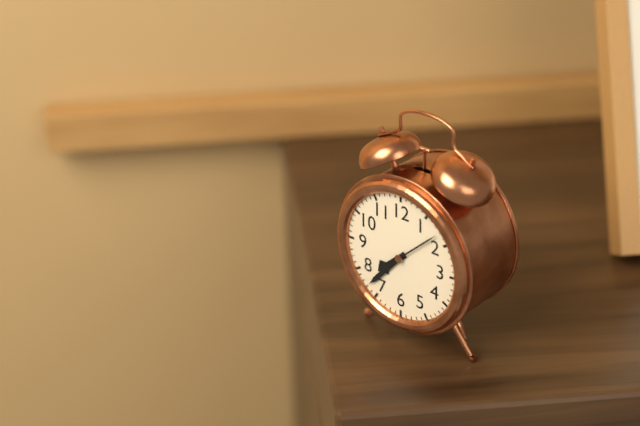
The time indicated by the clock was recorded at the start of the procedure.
7:37:08
